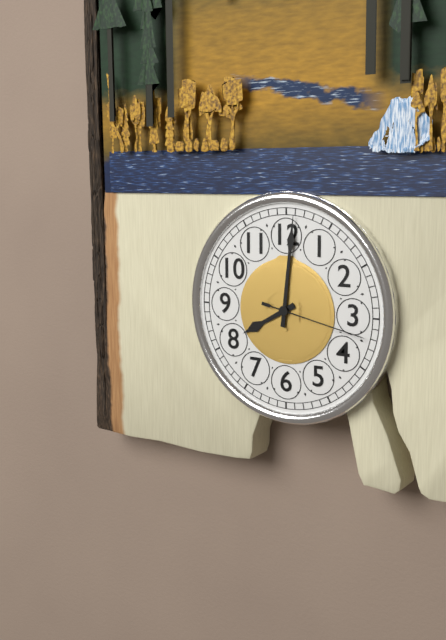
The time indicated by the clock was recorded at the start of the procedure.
8:01:17
